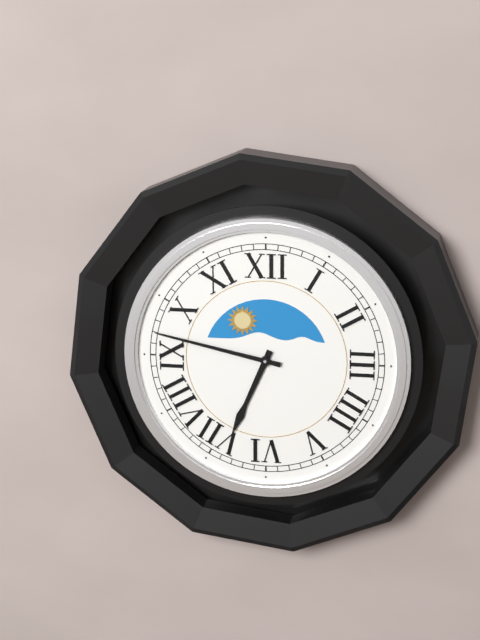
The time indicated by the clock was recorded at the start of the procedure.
6:47
